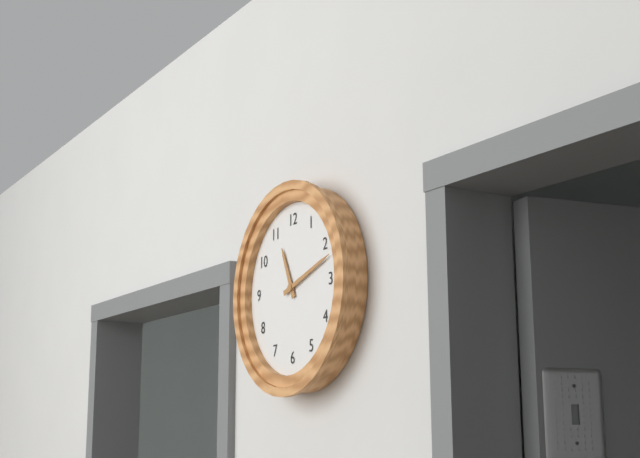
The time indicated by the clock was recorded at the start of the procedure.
11:12
